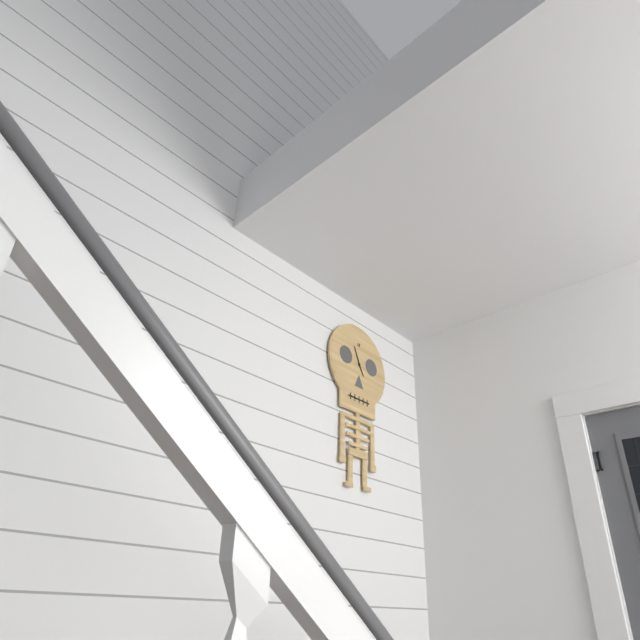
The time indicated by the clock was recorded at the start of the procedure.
4:56
